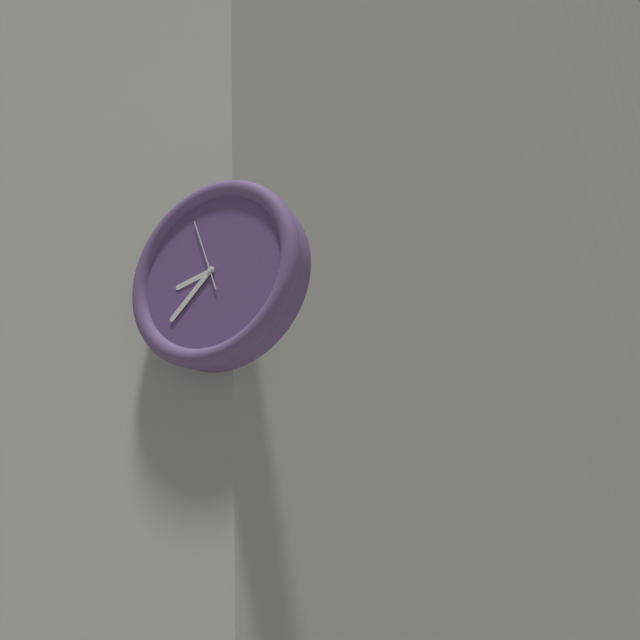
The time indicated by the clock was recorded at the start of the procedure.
8:38:57
